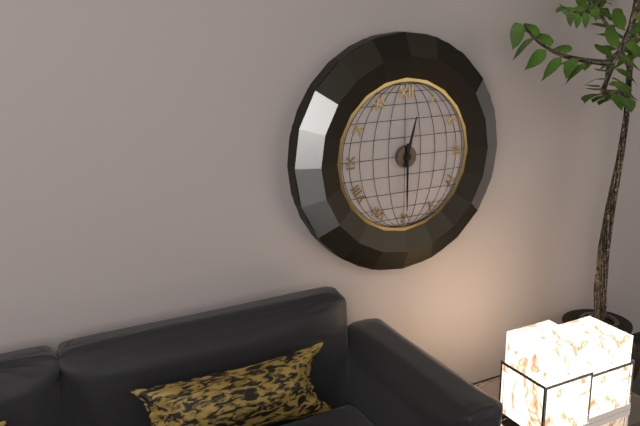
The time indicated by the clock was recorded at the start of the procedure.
12:30
